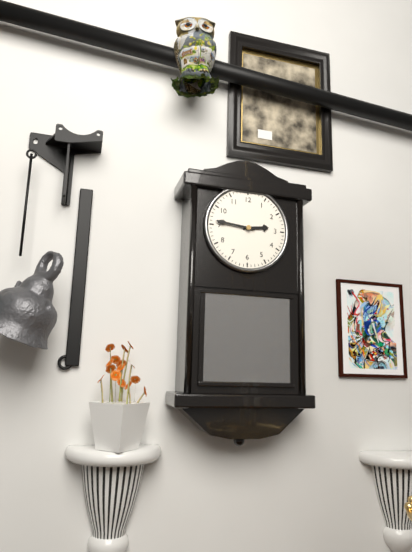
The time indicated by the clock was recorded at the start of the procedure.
2:46
